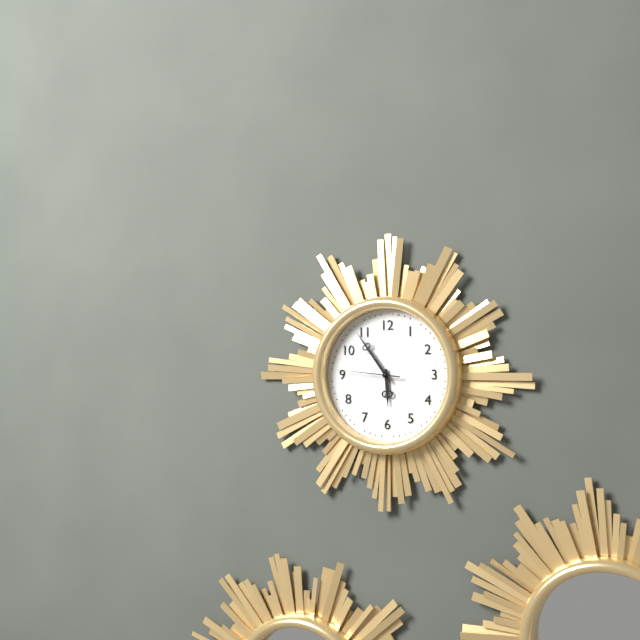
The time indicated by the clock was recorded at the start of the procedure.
5:54:46
